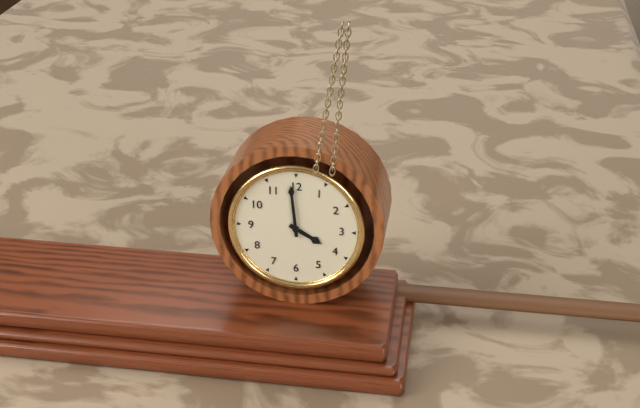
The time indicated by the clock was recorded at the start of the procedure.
3:59
